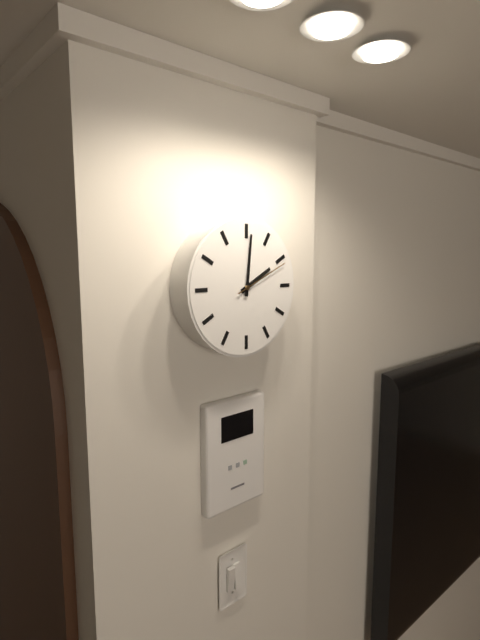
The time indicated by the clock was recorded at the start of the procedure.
2:01:11
